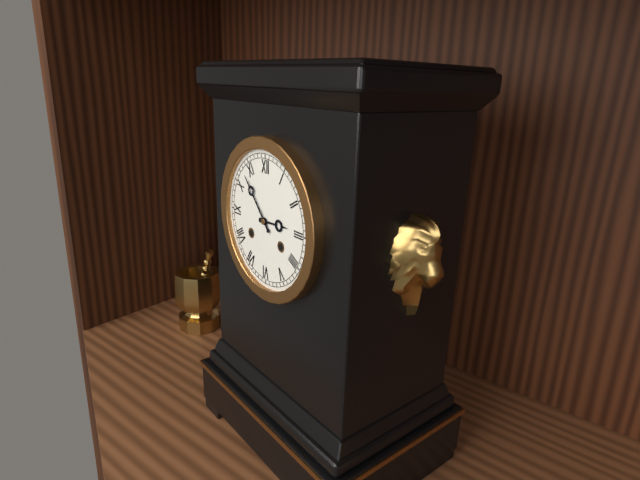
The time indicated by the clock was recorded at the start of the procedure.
2:53
